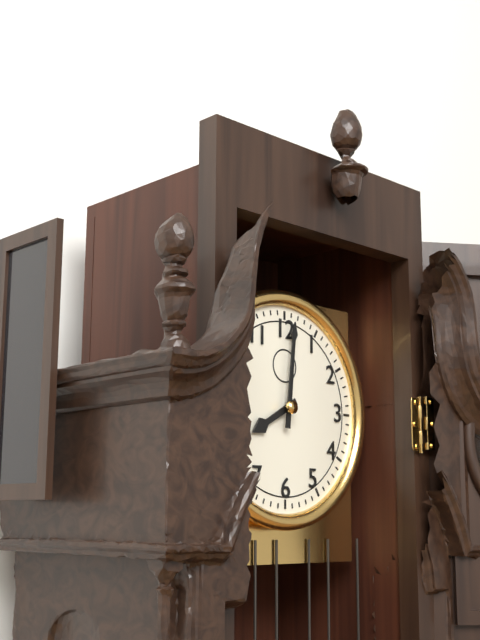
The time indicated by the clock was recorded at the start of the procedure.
8:01
